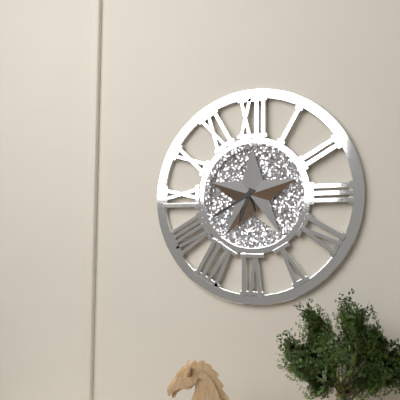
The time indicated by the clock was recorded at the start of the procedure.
6:40
